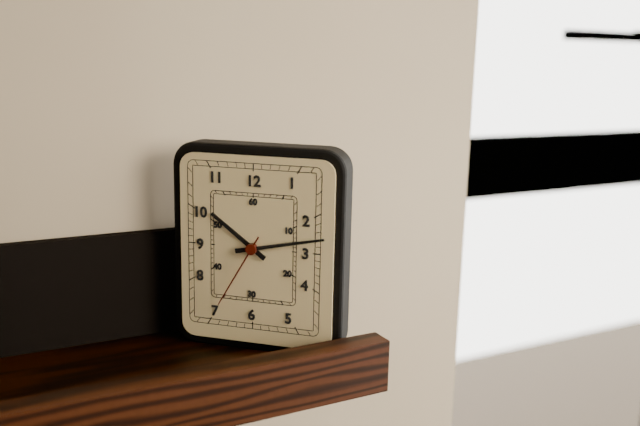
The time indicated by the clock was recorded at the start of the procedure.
10:13:35
